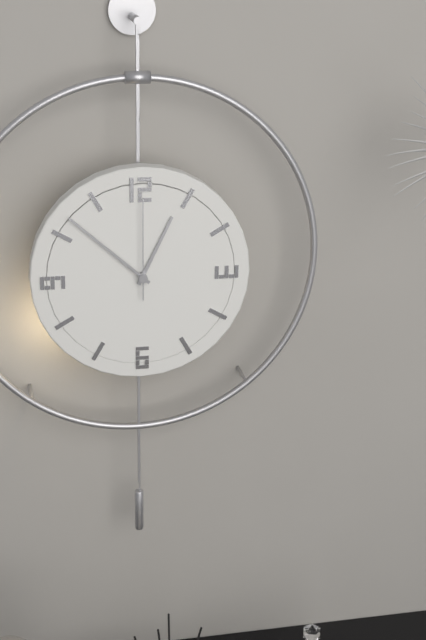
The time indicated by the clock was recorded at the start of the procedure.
12:52:00
